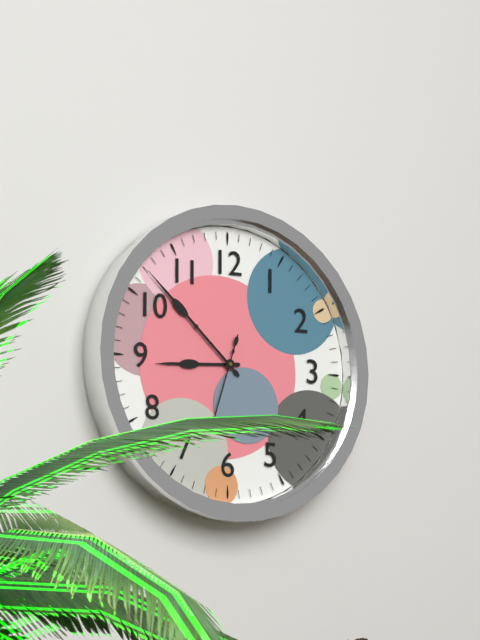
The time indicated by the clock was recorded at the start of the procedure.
8:52:33
